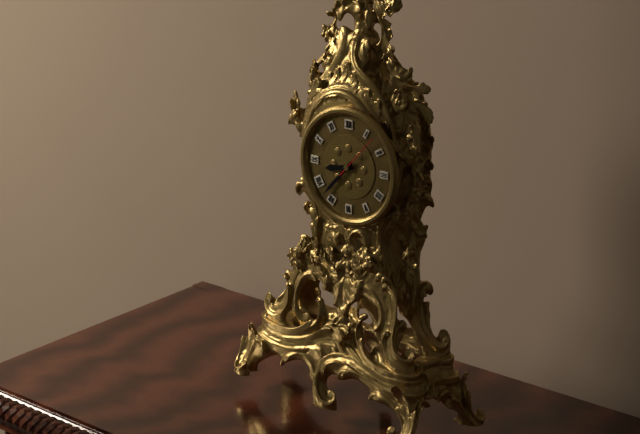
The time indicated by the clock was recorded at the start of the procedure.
8:37
